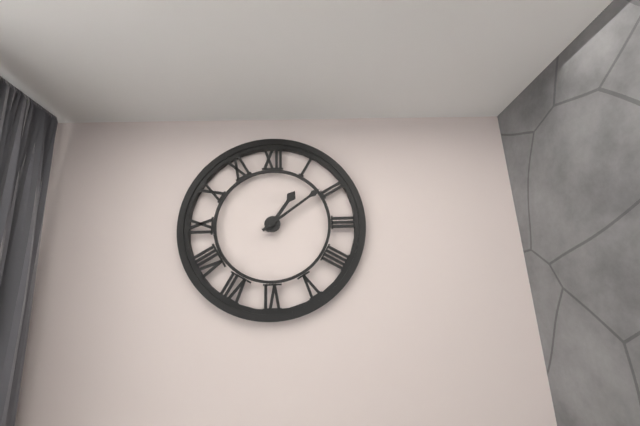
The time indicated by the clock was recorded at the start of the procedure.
1:09
